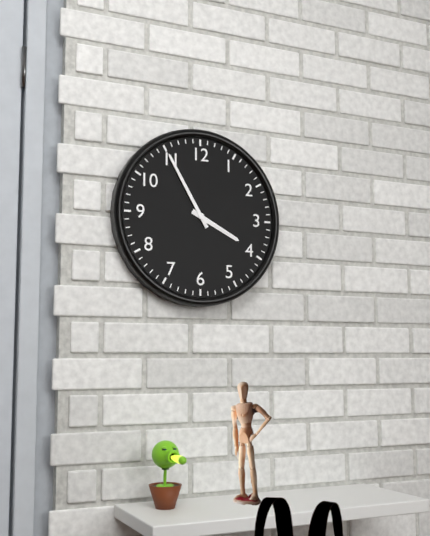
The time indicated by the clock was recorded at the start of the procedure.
3:55
